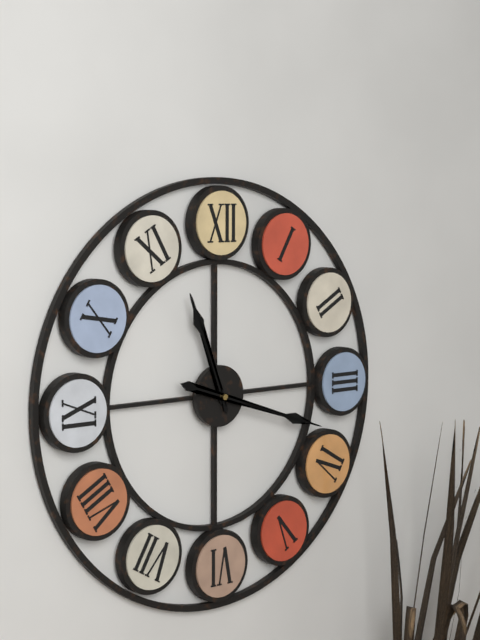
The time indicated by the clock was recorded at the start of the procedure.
11:18
